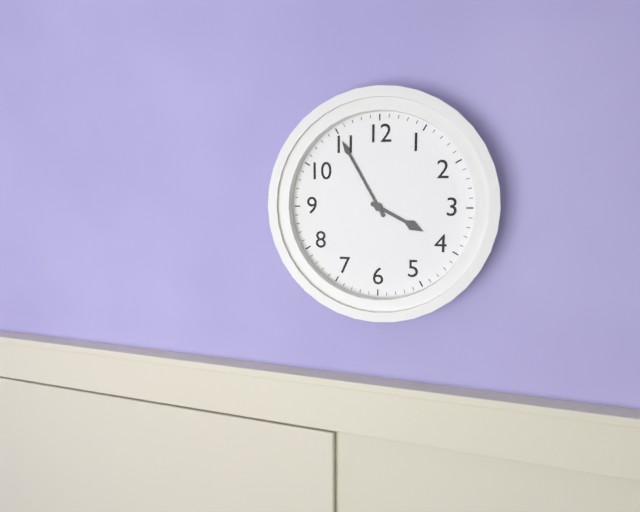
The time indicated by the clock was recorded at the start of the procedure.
3:55
